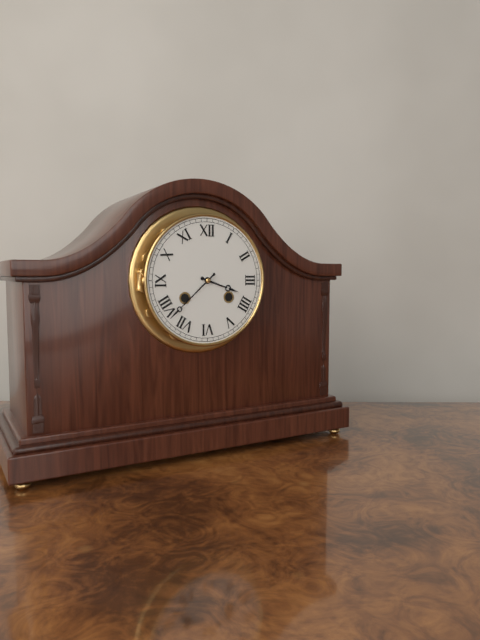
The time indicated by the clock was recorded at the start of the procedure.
3:38
